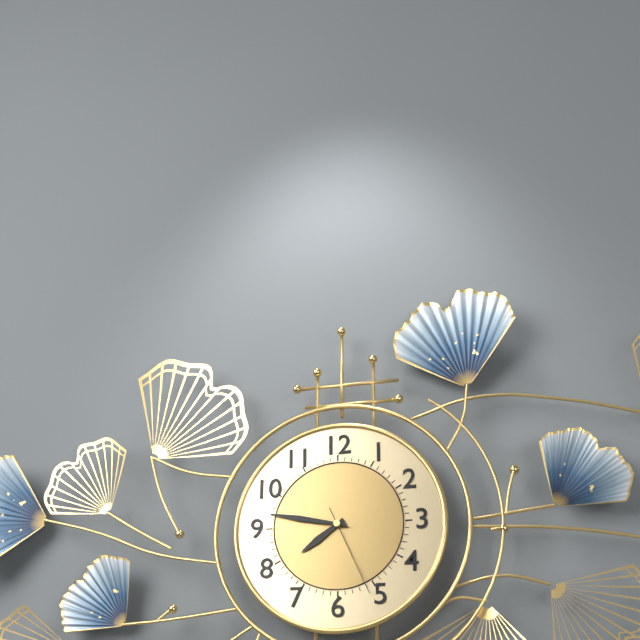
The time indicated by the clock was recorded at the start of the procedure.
7:47:26
